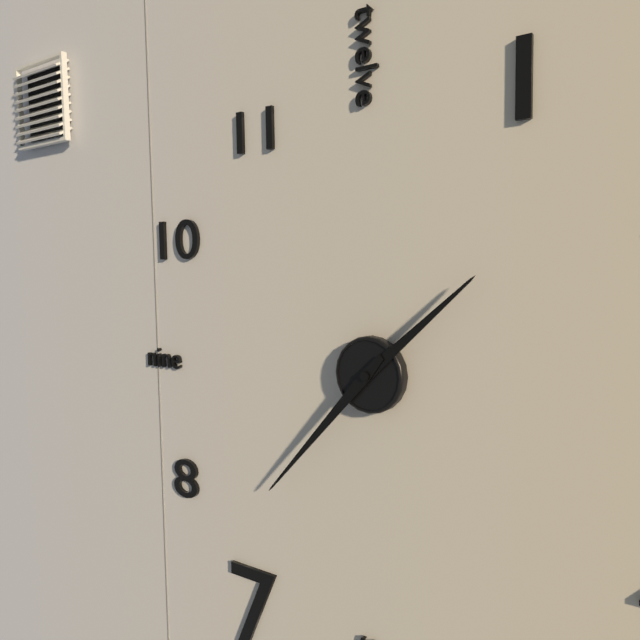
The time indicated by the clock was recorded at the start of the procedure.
1:37
